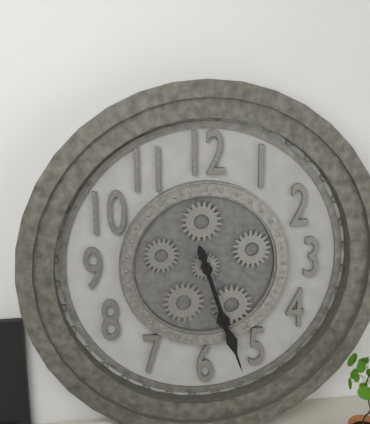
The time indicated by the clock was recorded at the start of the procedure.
5:27
